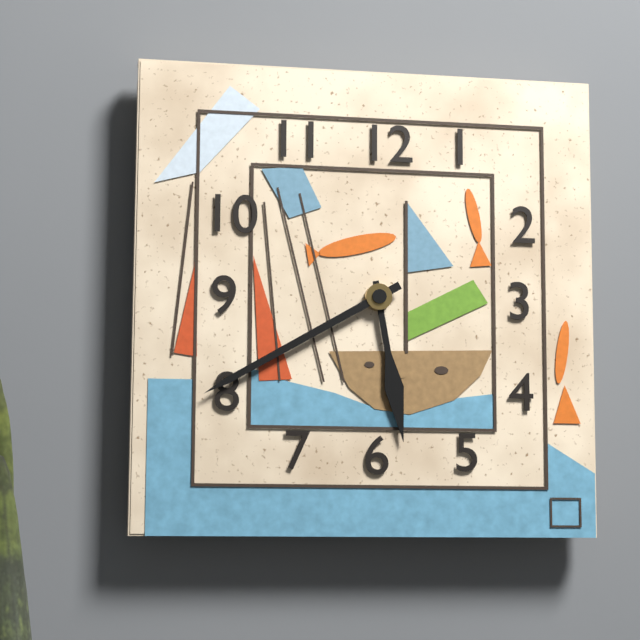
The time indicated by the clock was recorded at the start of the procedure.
5:40
